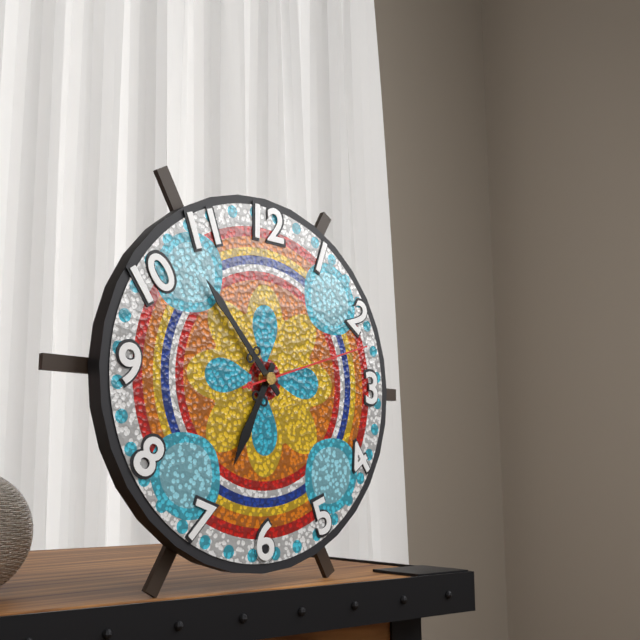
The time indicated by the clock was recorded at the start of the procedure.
6:53:12
